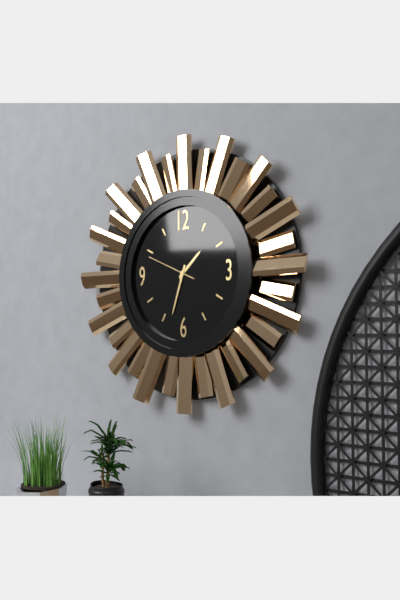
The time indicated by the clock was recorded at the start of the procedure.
1:33
